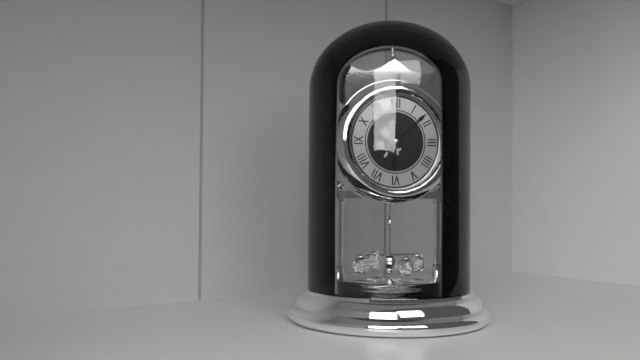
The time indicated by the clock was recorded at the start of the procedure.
6:08
